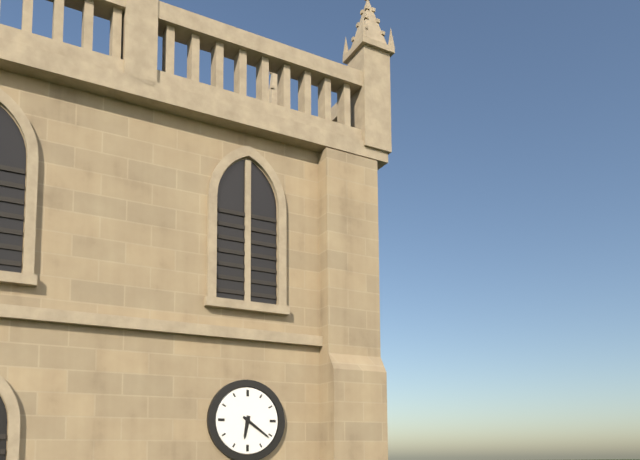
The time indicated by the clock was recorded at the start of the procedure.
6:21
